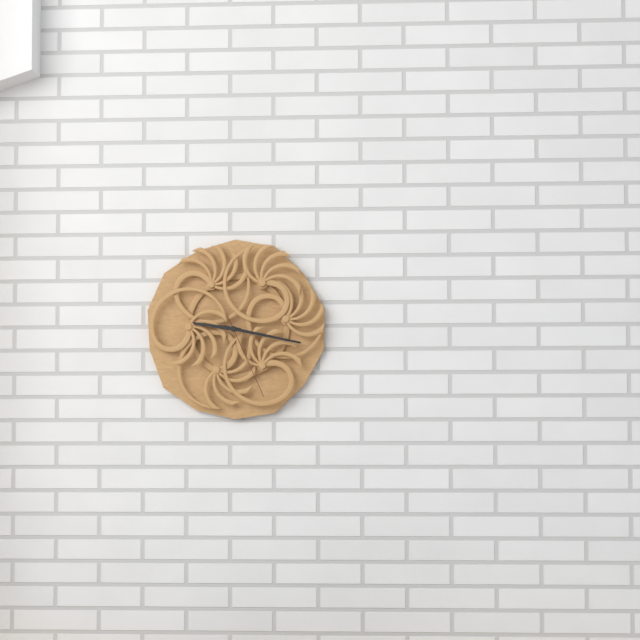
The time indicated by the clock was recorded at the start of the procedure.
9:17:26
